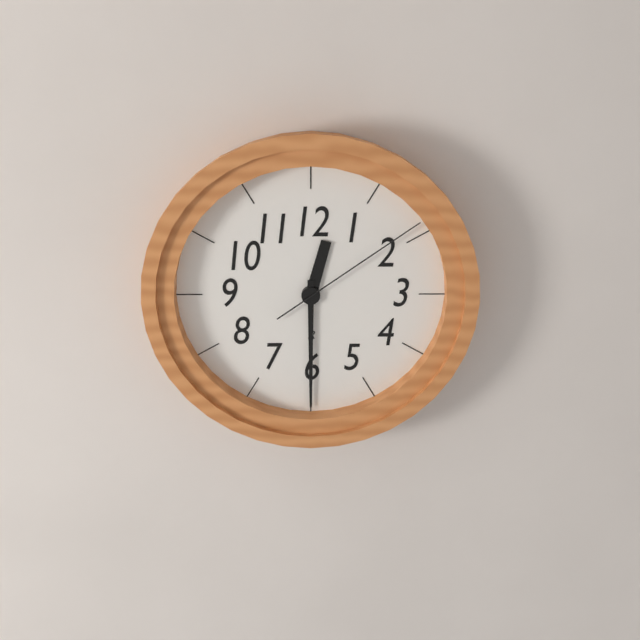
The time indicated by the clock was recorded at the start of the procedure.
12:30:09
